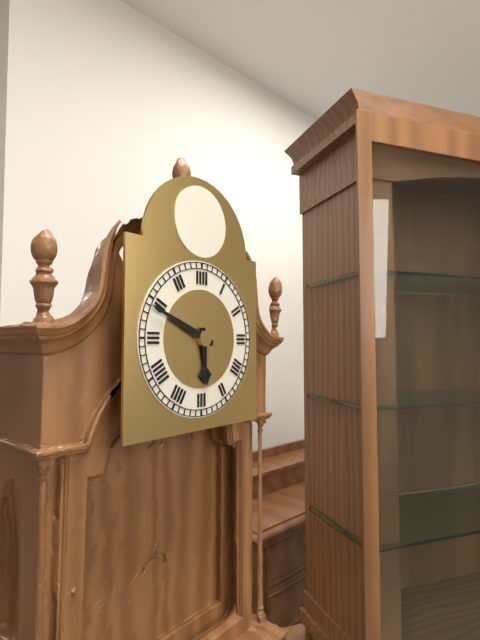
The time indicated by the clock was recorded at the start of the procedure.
5:49
